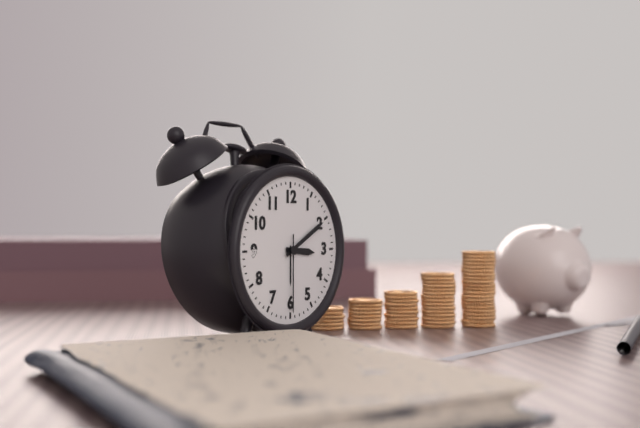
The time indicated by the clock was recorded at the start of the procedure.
3:10:30
